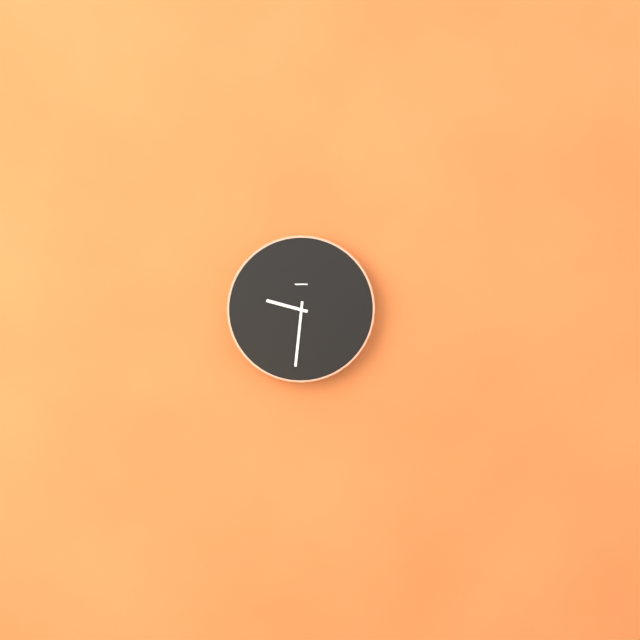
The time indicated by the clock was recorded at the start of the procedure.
9:31
